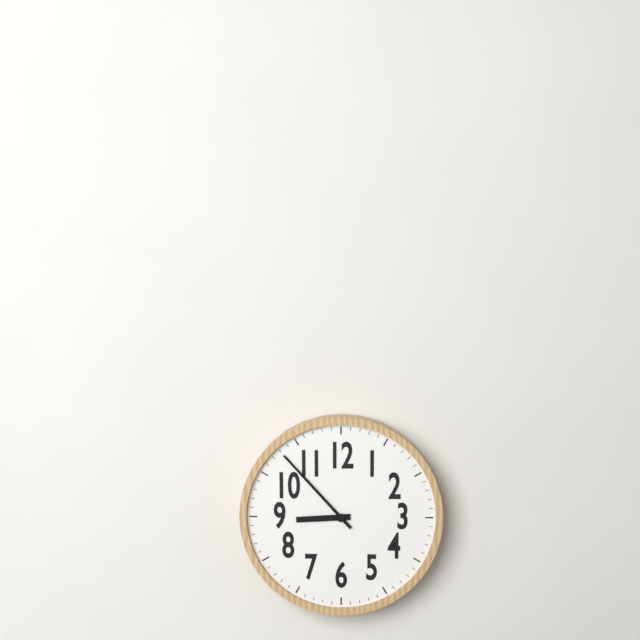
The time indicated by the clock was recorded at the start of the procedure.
8:53
